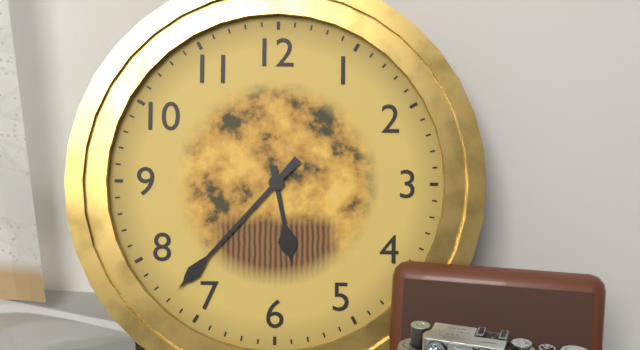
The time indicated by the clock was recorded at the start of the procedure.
5:37
